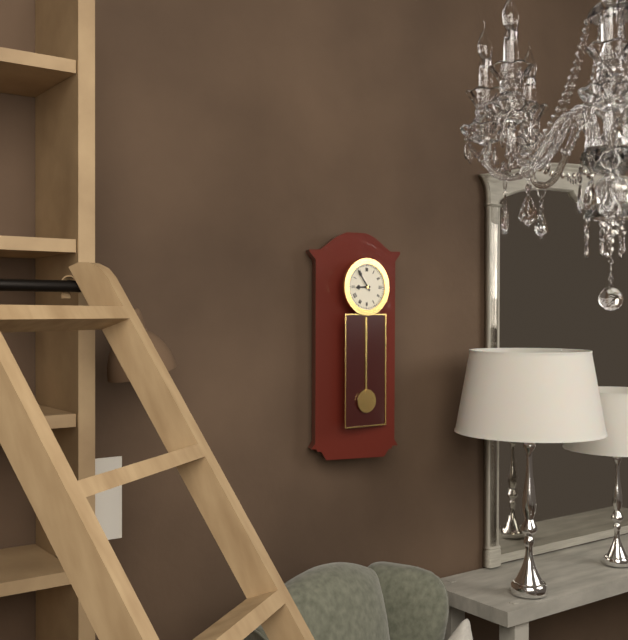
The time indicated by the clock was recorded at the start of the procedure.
8:54
